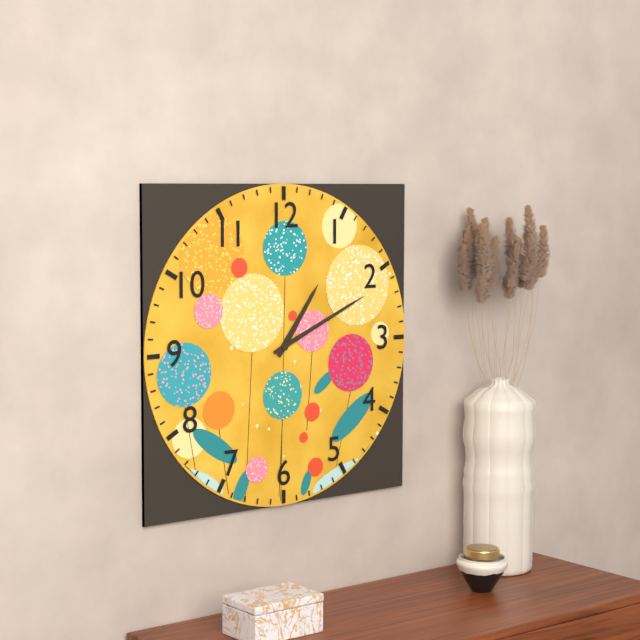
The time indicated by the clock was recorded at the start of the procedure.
1:11
